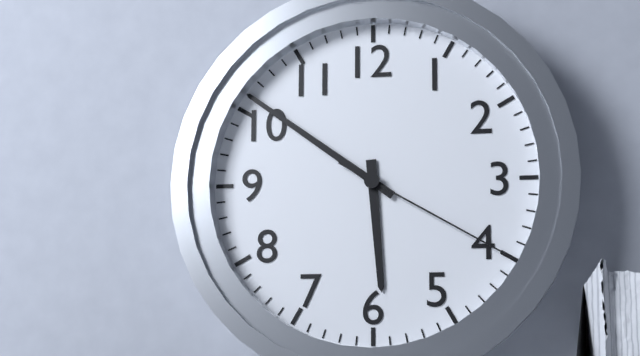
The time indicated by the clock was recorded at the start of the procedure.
5:51:20
